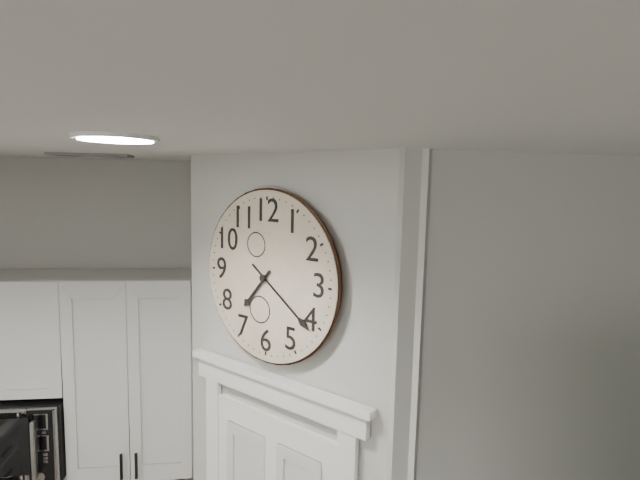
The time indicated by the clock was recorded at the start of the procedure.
7:21
